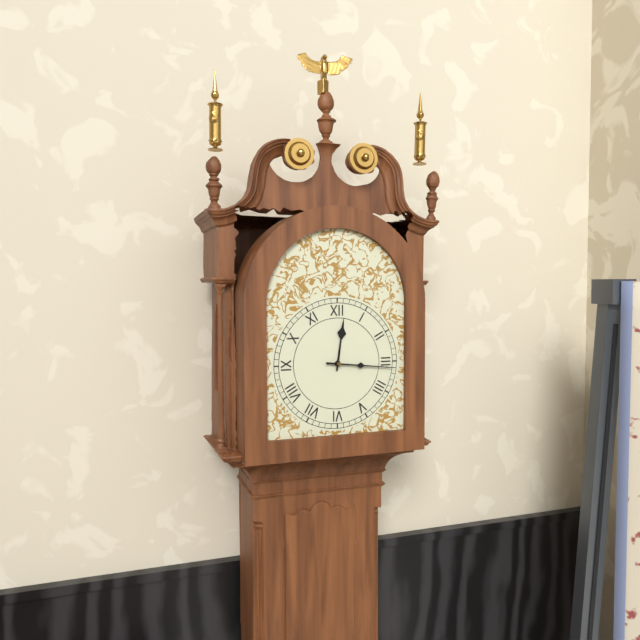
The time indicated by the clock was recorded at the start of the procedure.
12:16
